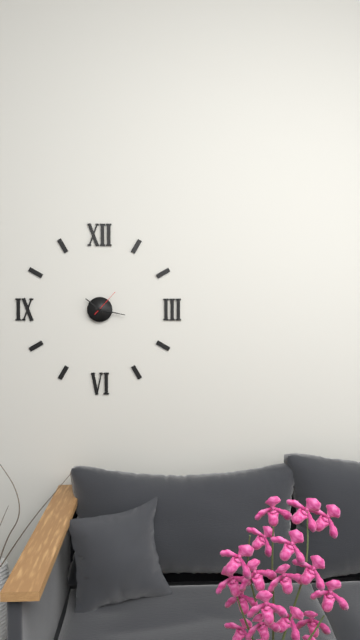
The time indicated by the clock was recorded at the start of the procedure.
10:17
